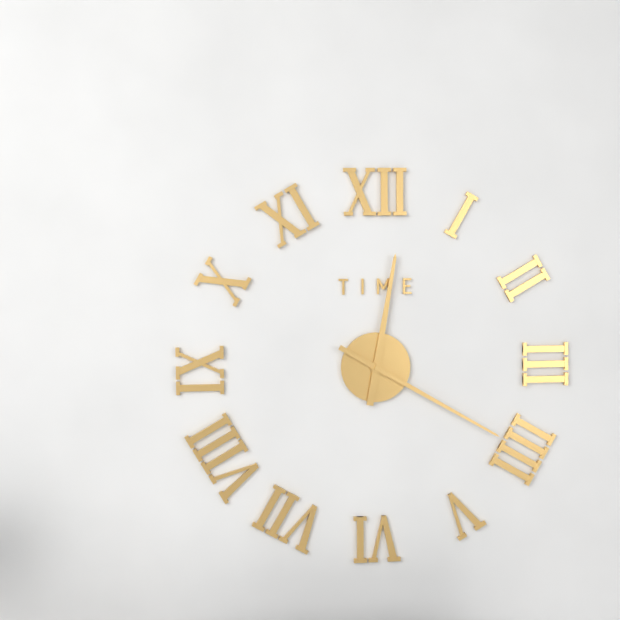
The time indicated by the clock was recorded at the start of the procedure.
12:20
